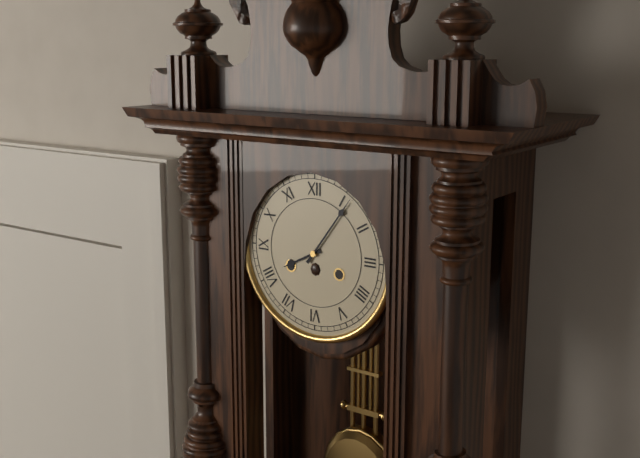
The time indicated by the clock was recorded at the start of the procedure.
8:06
